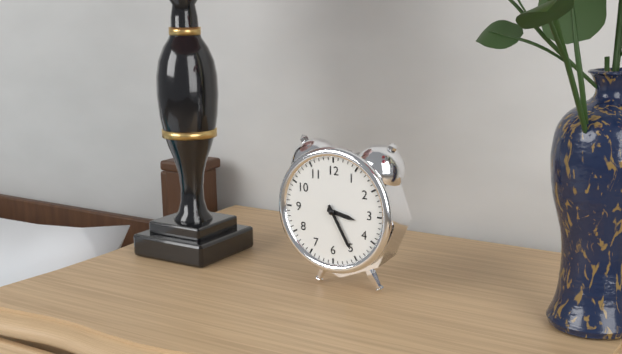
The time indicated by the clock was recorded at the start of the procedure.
3:25
